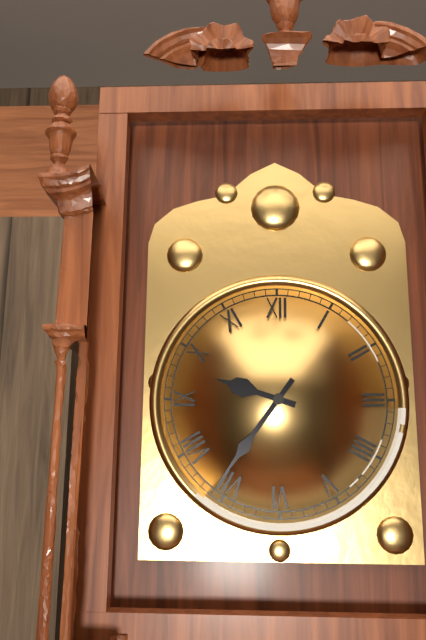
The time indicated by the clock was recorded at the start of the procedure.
9:36
